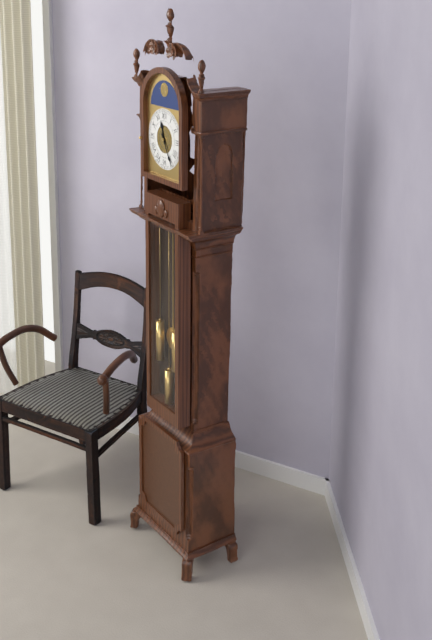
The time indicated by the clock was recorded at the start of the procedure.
11:25
